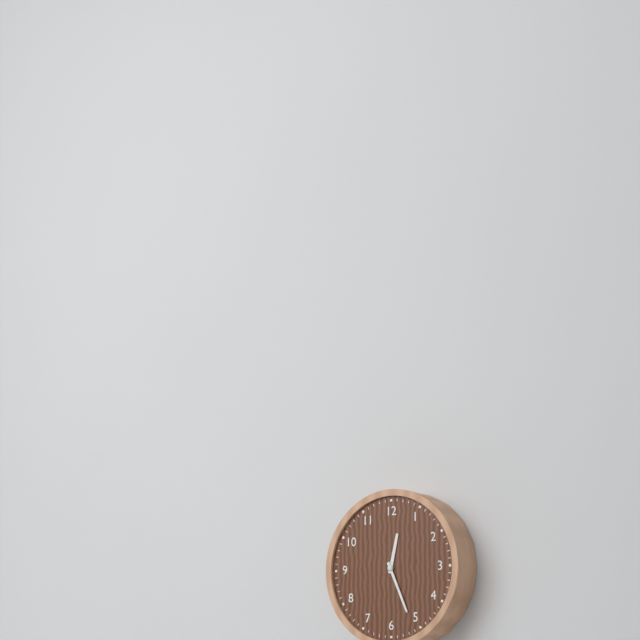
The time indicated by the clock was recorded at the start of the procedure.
12:26
